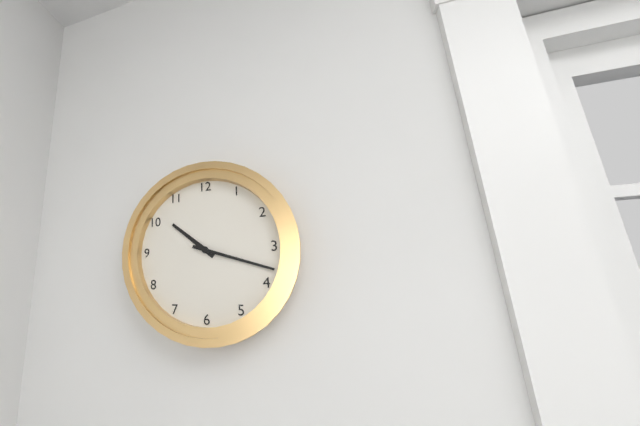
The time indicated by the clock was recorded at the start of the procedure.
10:18
